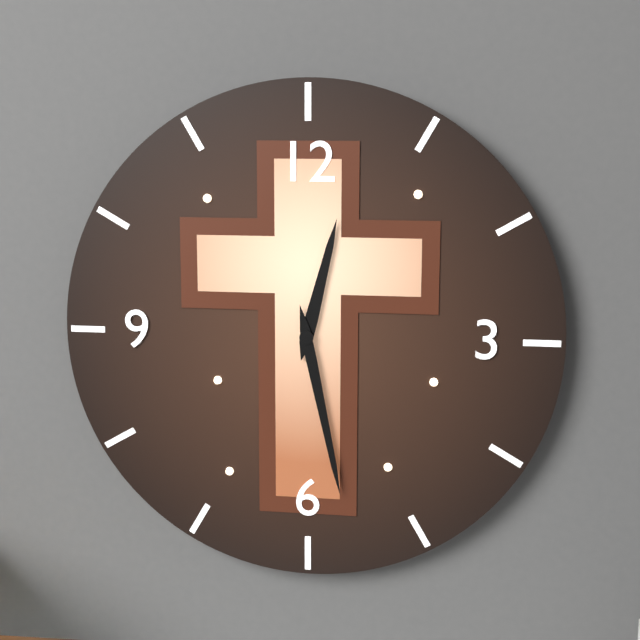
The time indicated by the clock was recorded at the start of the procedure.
12:28
